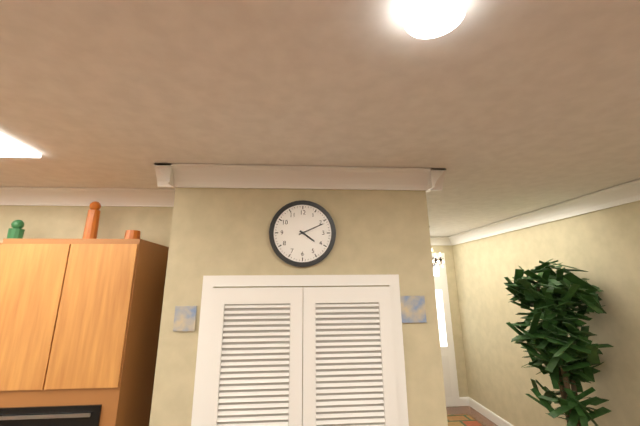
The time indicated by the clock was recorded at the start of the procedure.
4:11
